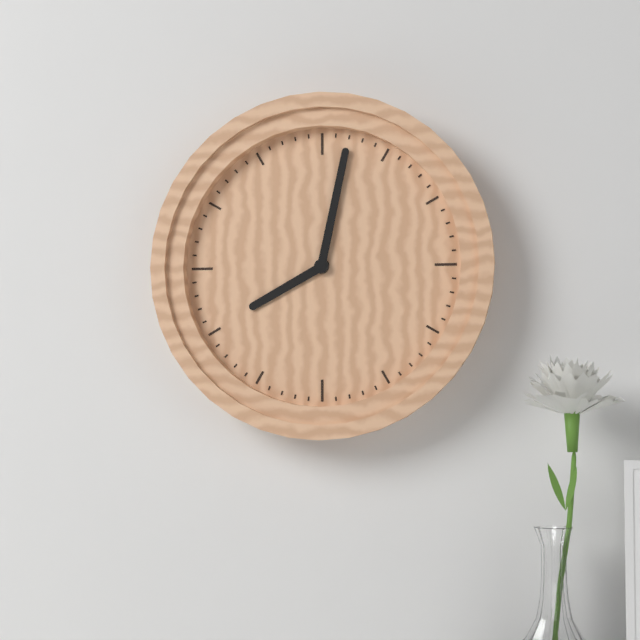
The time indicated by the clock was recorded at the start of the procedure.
8:02
